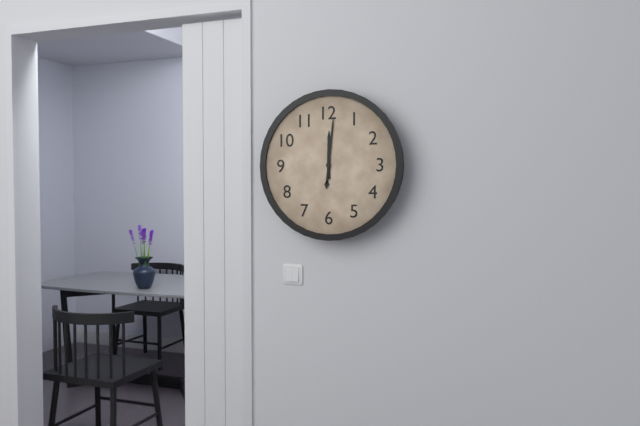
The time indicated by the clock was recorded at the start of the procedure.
12:01
